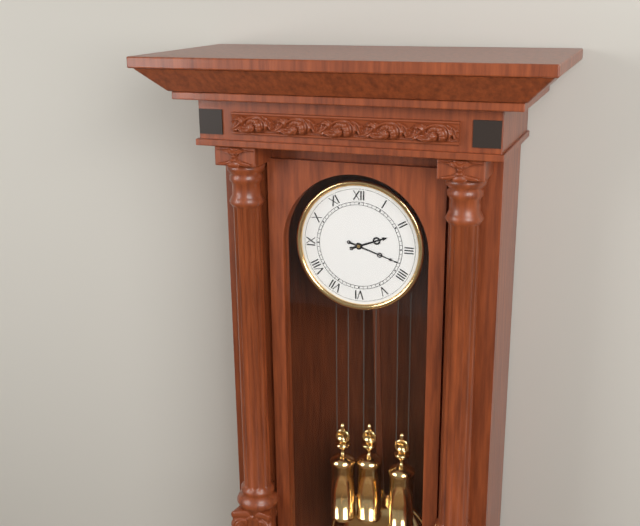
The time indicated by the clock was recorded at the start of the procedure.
2:18
